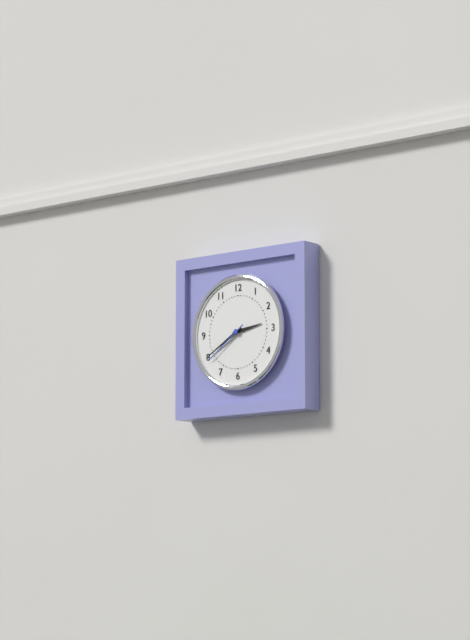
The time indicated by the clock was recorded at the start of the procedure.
2:40
